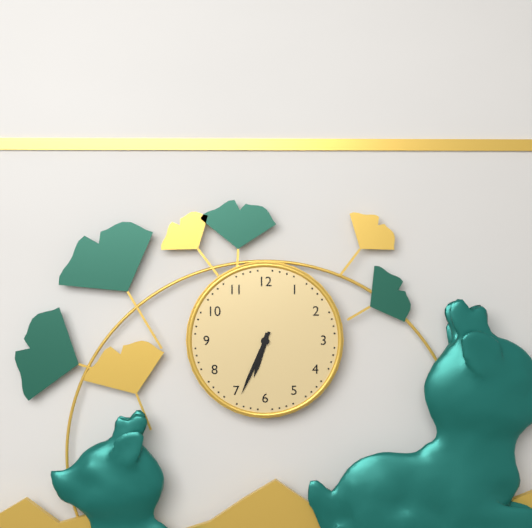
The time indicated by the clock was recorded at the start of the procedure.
6:34
